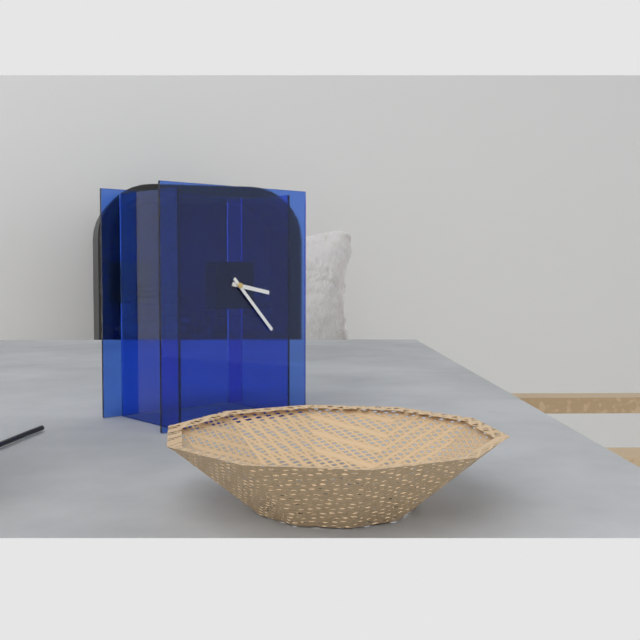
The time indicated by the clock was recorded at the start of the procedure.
3:23
